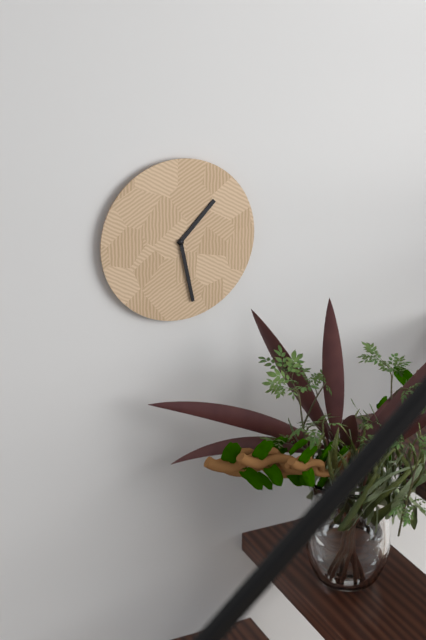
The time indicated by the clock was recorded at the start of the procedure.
1:28
